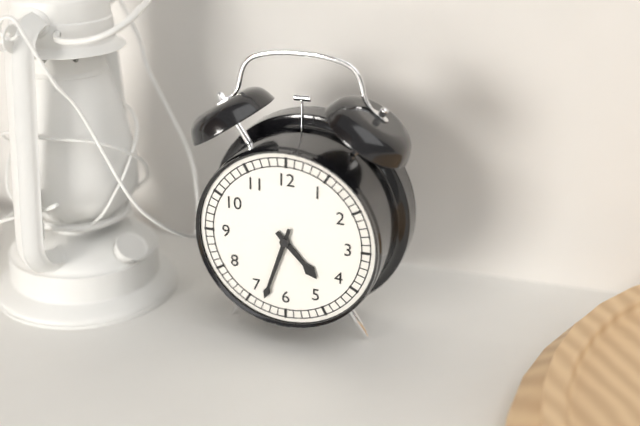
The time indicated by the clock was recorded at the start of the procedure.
4:33
